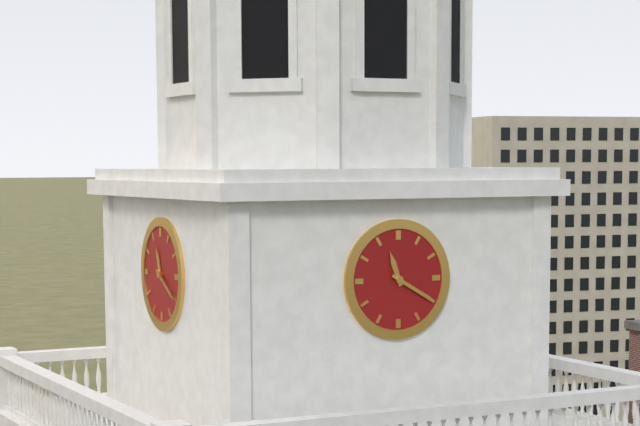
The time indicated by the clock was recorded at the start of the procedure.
11:20
